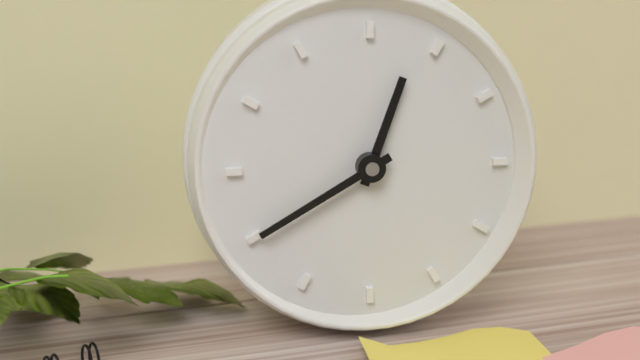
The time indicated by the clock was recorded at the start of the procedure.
12:40
